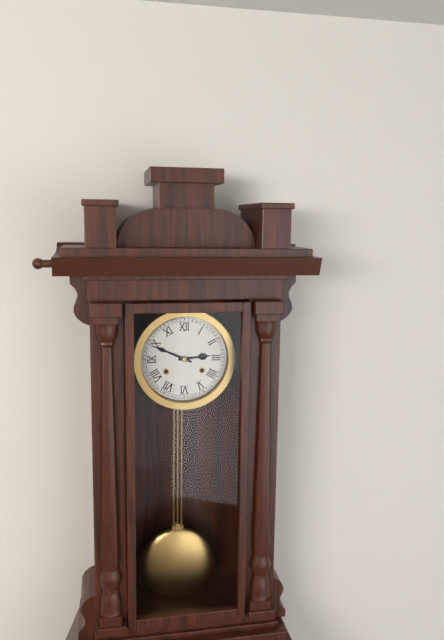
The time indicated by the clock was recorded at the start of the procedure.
2:49
